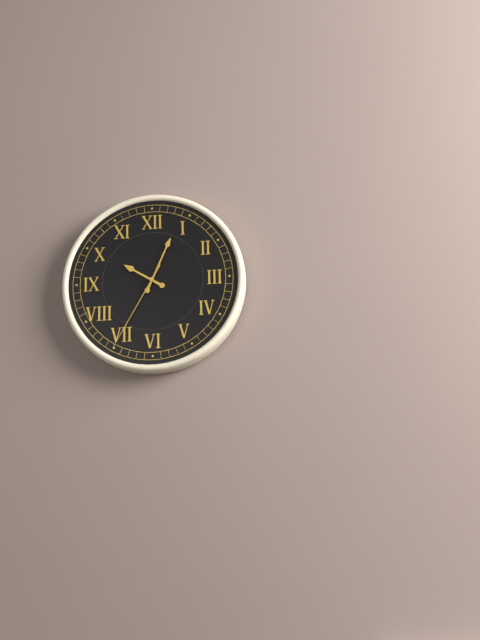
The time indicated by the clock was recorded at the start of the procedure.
10:04:35
